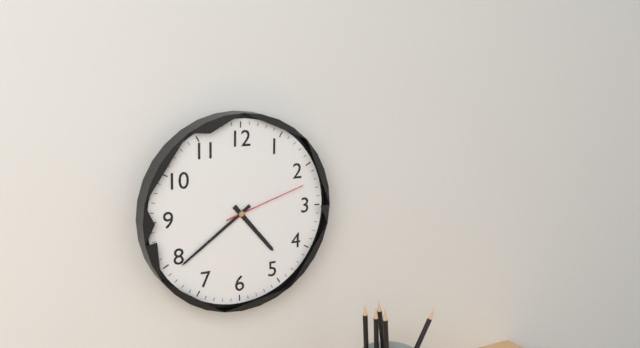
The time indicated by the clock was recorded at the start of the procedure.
4:39:12
